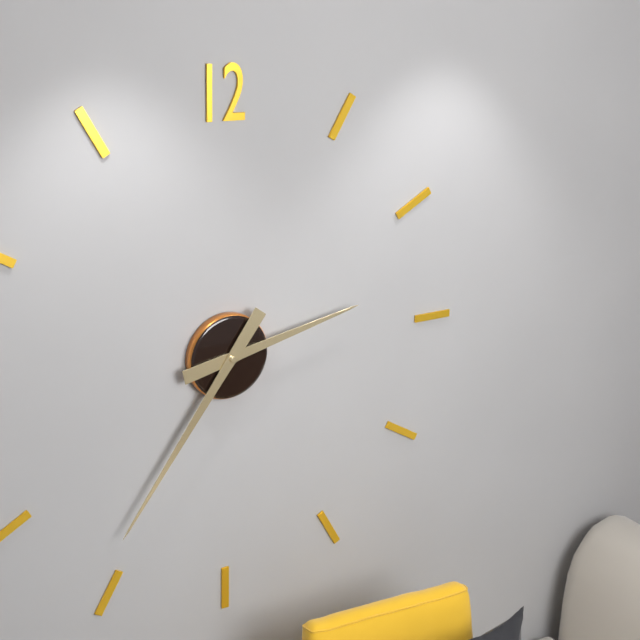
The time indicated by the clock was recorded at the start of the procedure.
2:36
